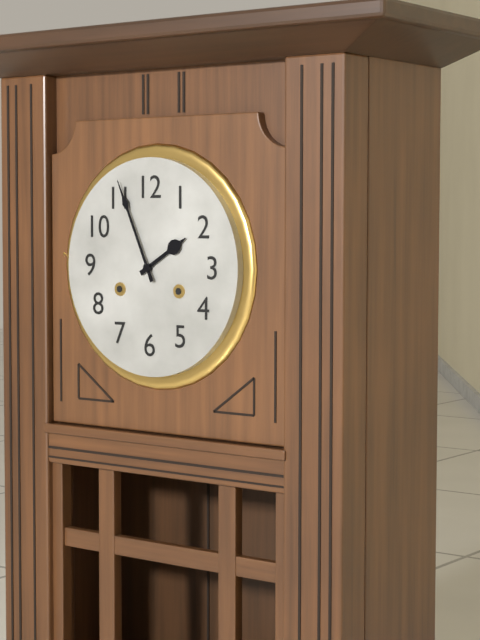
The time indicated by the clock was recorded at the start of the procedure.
1:56
